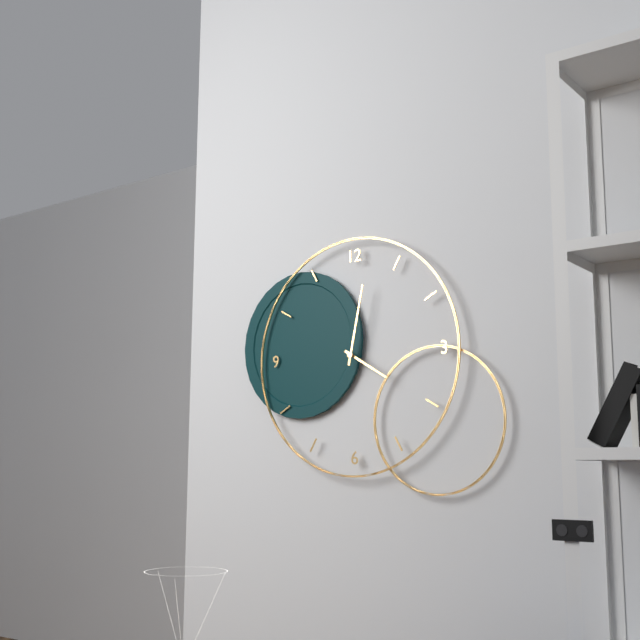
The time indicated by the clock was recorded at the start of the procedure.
4:02
